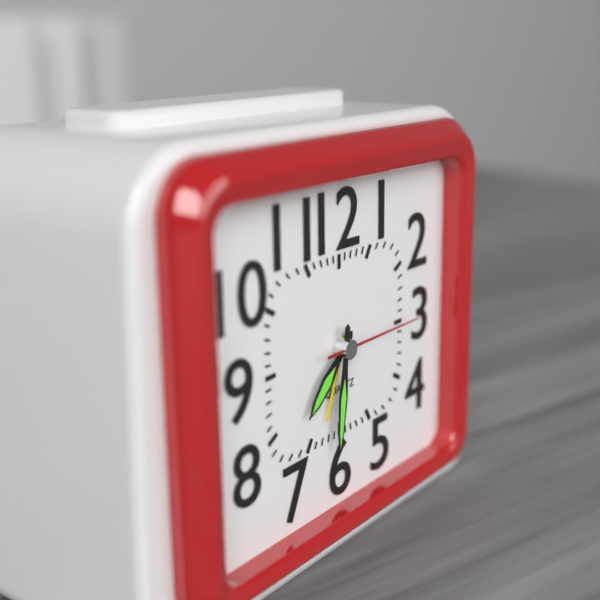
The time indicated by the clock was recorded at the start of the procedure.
7:31:15
